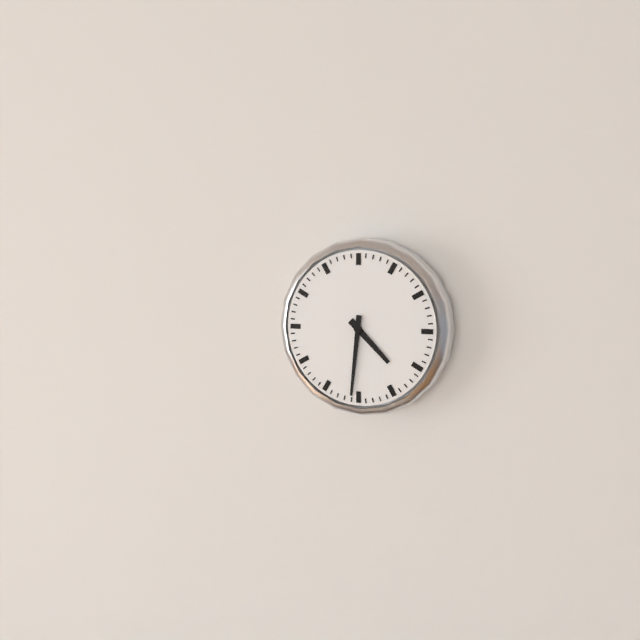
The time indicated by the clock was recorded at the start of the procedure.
4:31
